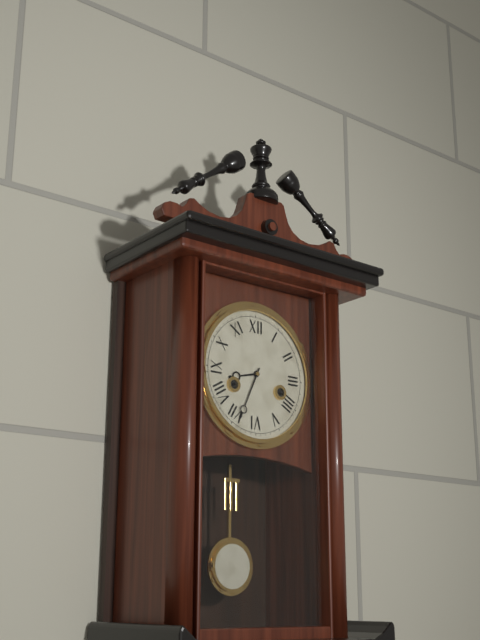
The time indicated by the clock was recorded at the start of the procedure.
8:34
